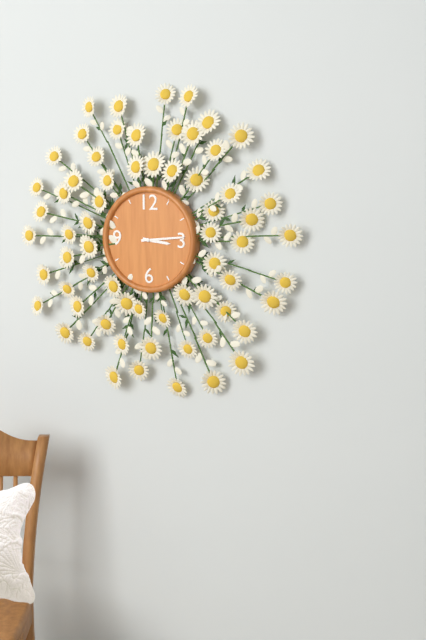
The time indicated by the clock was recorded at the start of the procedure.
3:14
